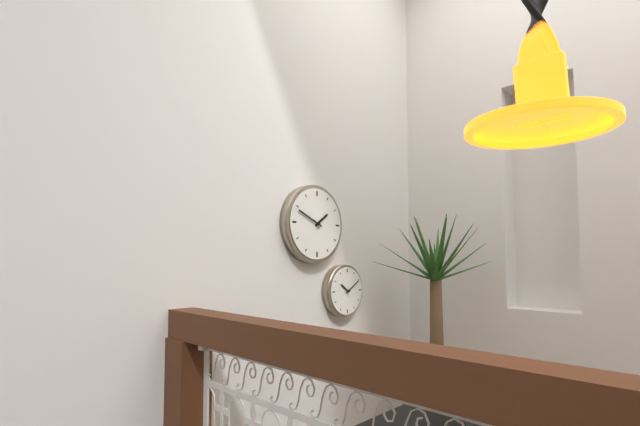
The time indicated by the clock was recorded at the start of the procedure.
1:49
